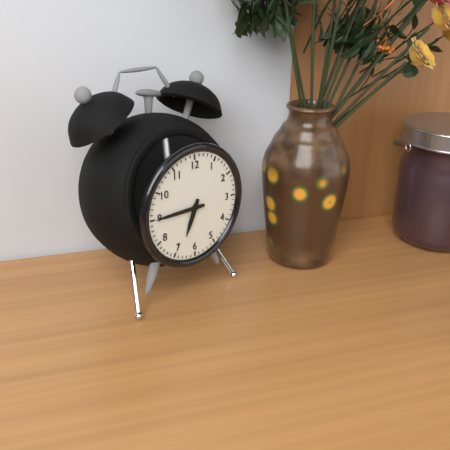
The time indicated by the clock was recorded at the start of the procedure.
6:45
